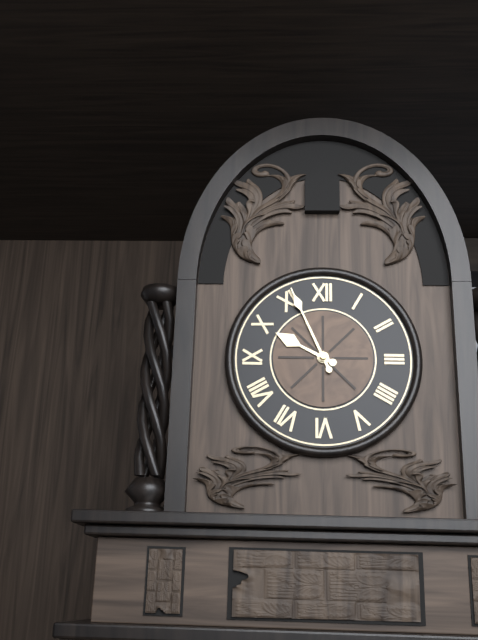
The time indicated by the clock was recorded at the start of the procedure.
9:56
